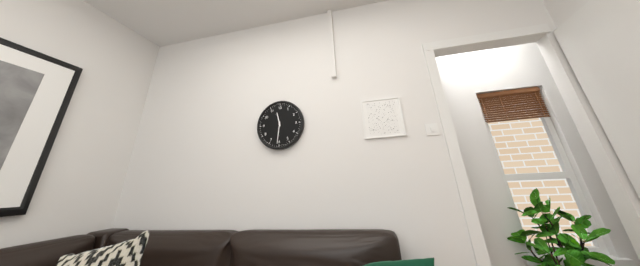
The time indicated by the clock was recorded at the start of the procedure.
11:31
